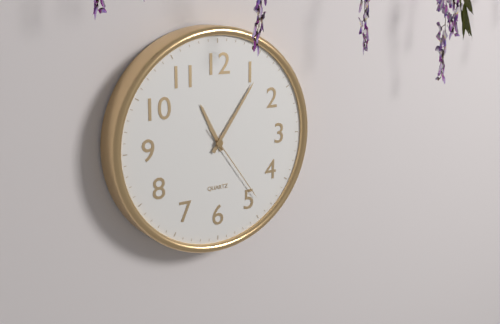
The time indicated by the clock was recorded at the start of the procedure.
11:06:24
